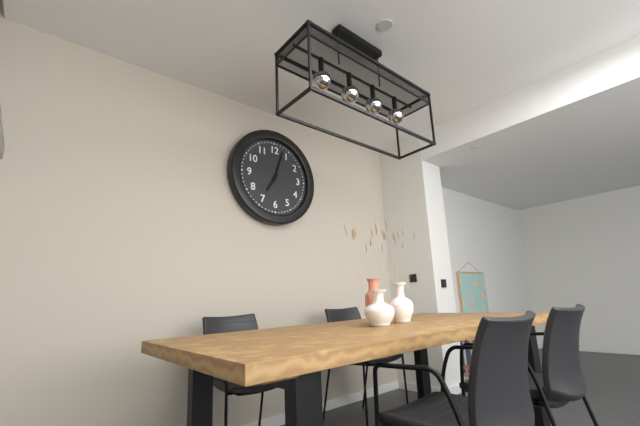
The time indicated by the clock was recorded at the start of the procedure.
7:03
